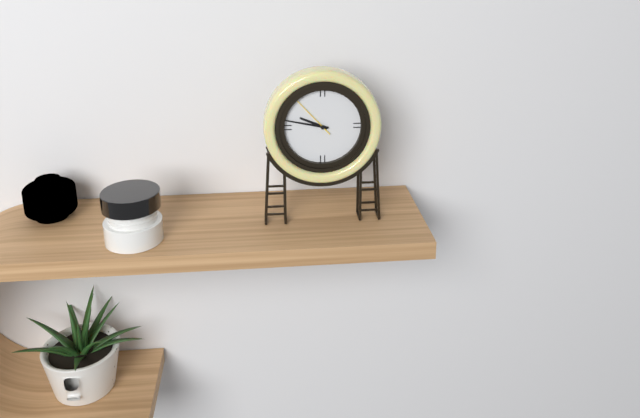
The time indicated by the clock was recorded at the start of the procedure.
9:47
